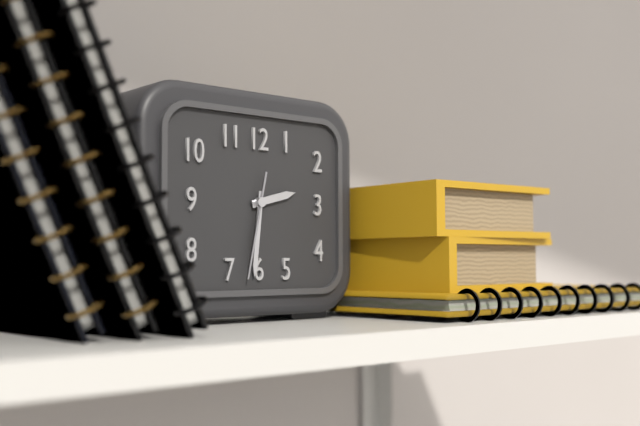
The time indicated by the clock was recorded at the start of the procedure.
2:31:32
